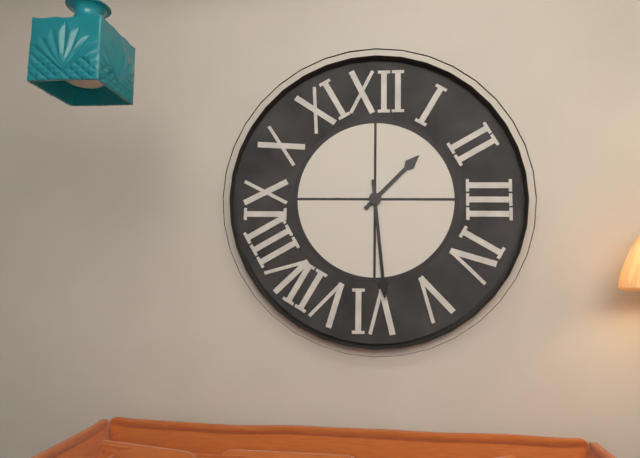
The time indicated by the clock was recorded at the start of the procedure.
1:29
